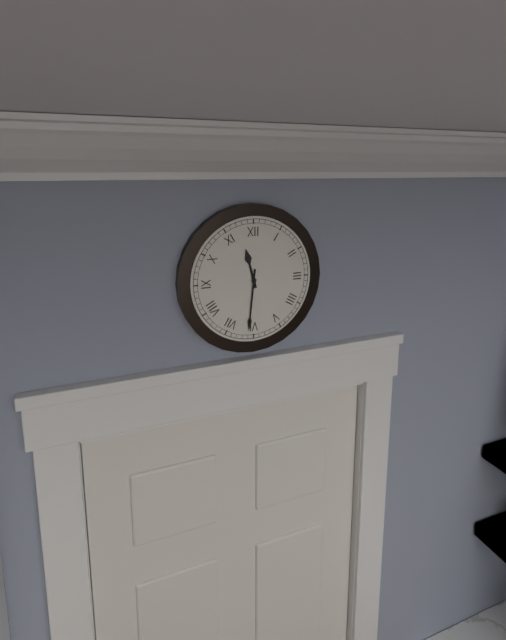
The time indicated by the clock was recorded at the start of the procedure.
11:31
